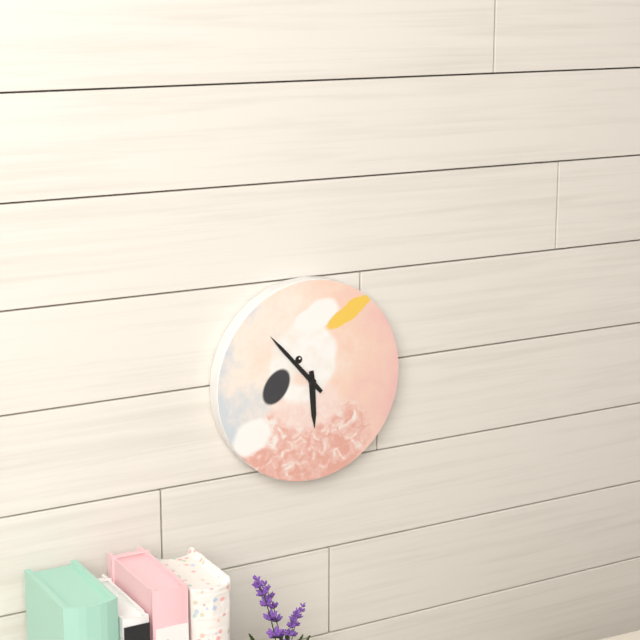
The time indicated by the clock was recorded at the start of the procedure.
5:53
